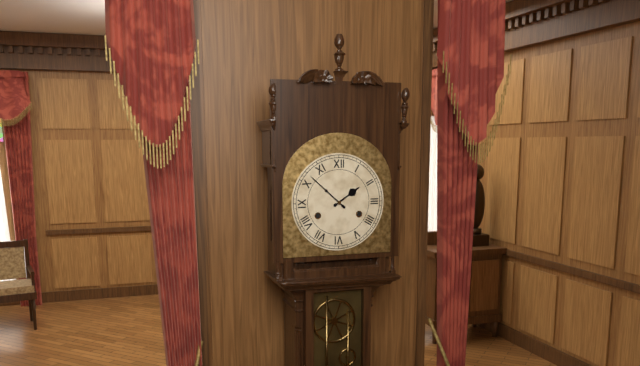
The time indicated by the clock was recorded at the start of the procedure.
1:52
